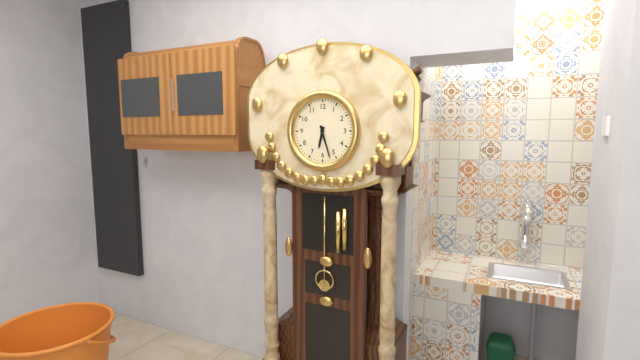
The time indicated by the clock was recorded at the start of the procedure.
6:27
